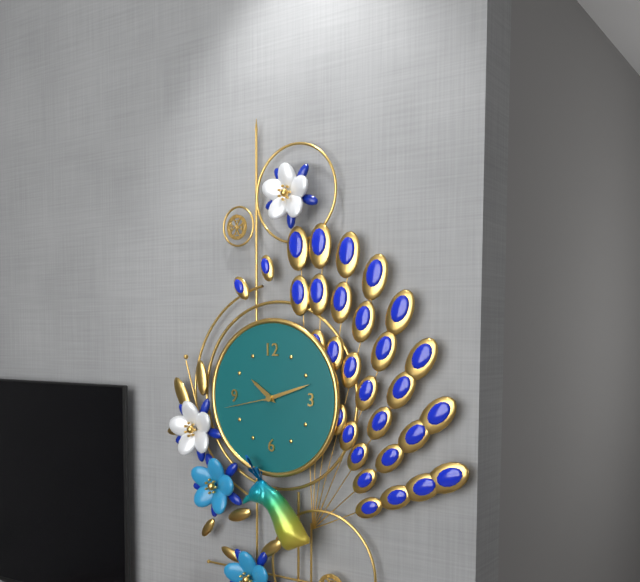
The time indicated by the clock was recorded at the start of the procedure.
10:12:43
